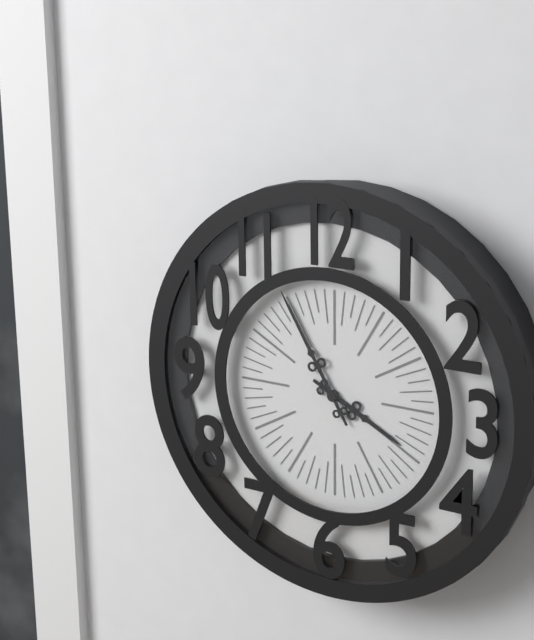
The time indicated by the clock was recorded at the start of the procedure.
3:55
